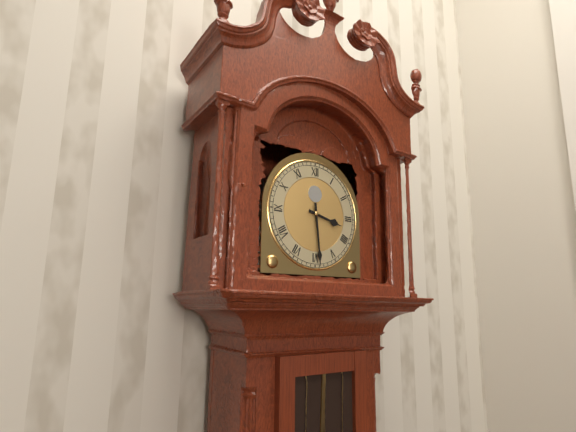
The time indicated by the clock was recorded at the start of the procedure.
3:29
